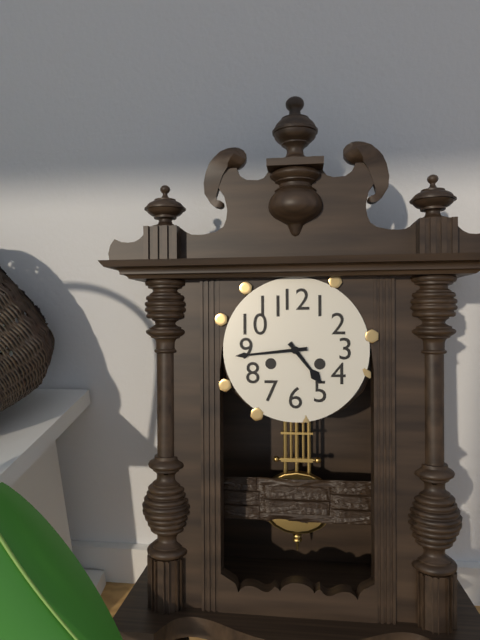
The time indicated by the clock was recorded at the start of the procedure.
4:44
